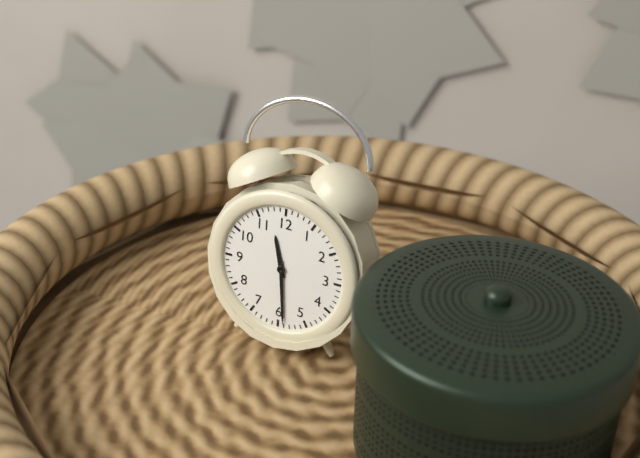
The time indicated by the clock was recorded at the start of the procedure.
11:29
